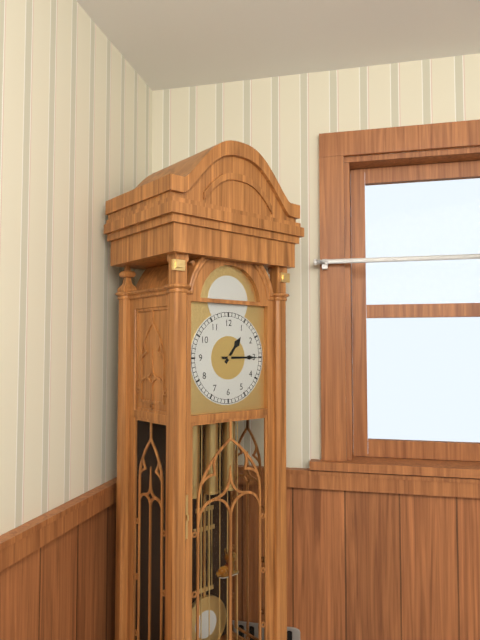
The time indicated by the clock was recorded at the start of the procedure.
1:15
